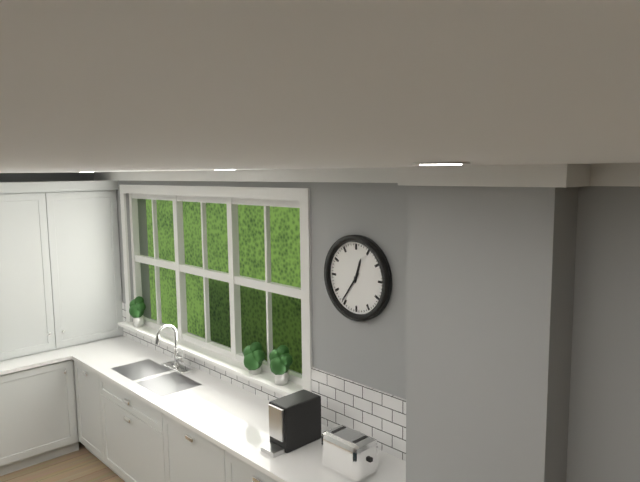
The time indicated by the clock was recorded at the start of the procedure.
12:36
